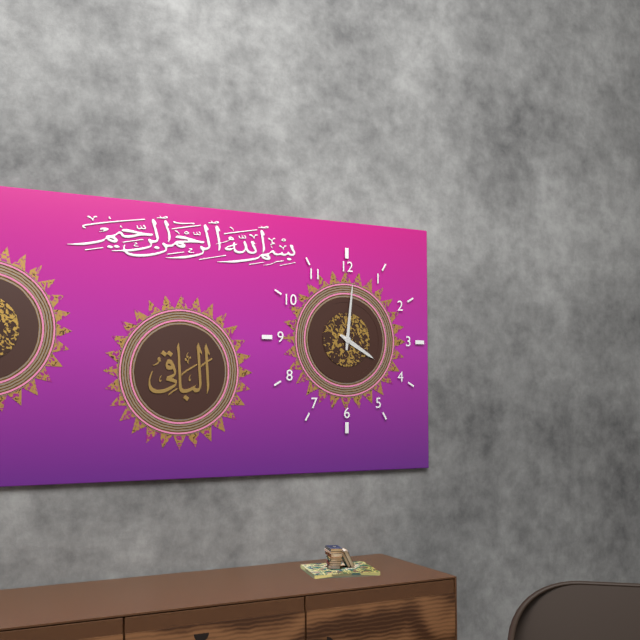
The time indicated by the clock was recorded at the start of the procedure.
4:01
